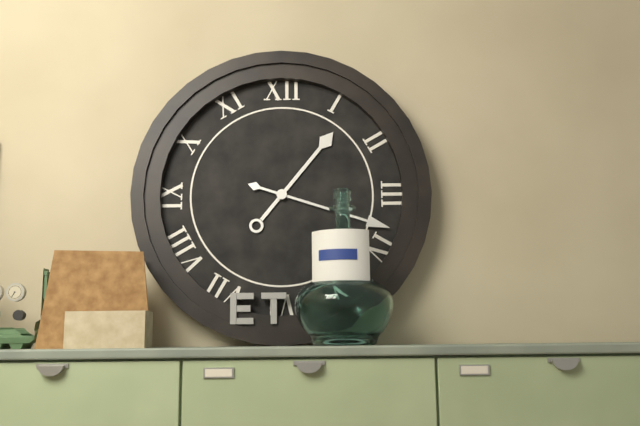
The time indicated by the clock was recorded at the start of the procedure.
1:18
